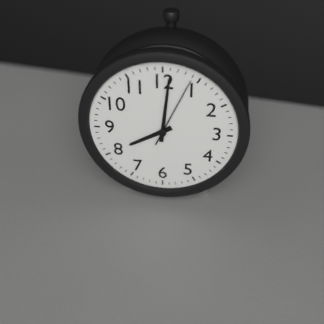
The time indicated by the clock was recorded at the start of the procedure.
8:01:04
